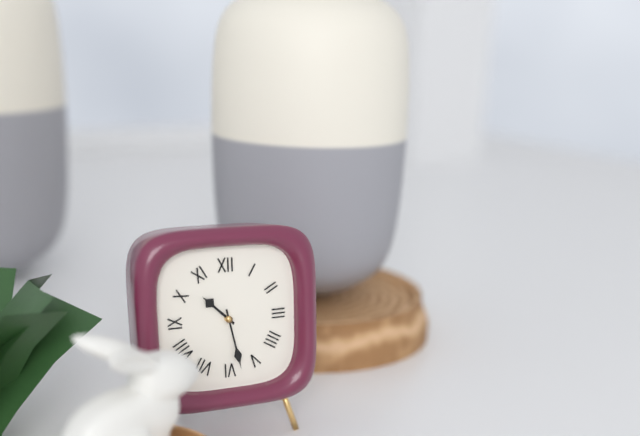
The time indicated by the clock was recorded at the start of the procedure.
10:28
